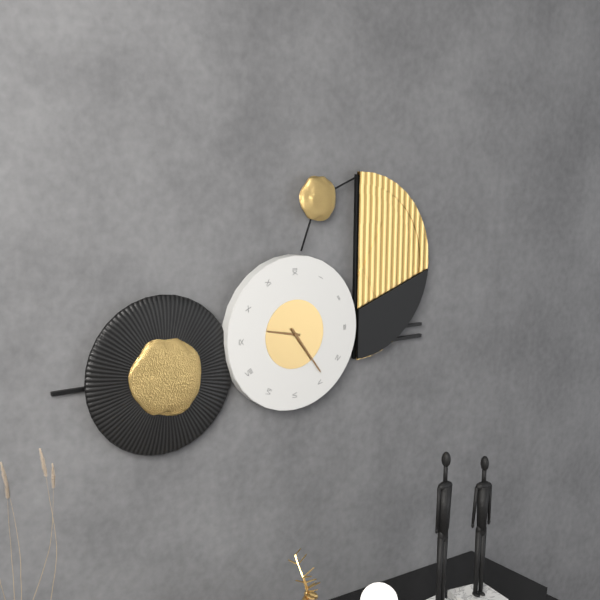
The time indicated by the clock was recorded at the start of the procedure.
9:24
